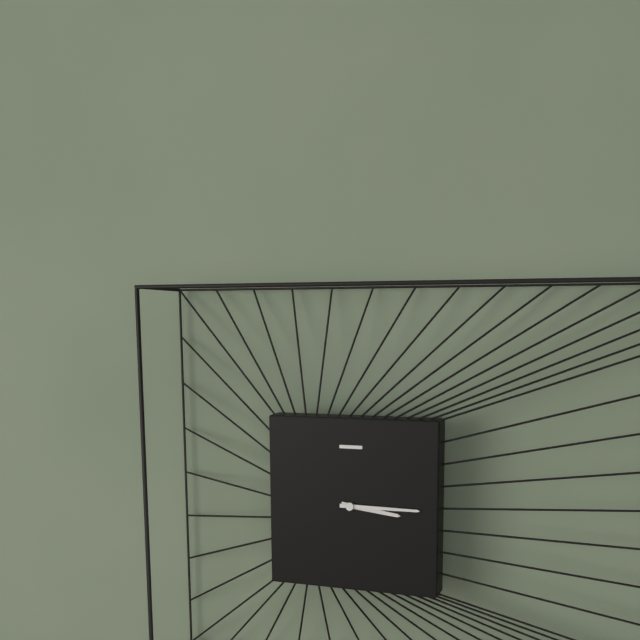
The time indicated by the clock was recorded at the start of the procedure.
3:15
